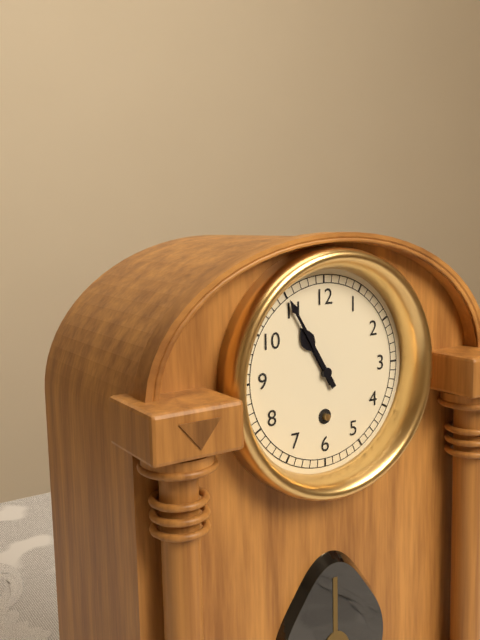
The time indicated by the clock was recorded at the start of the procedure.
10:55
